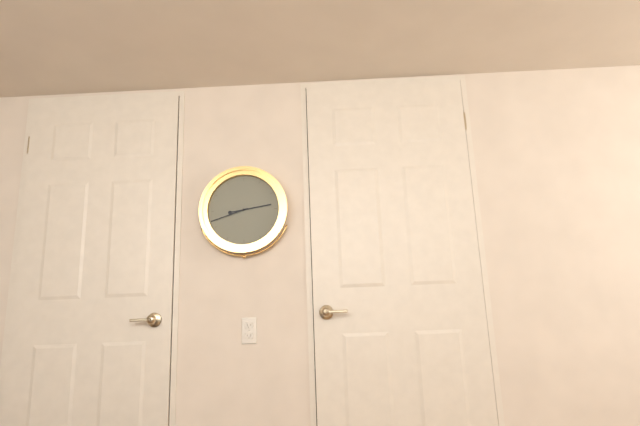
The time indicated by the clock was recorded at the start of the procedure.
2:42
